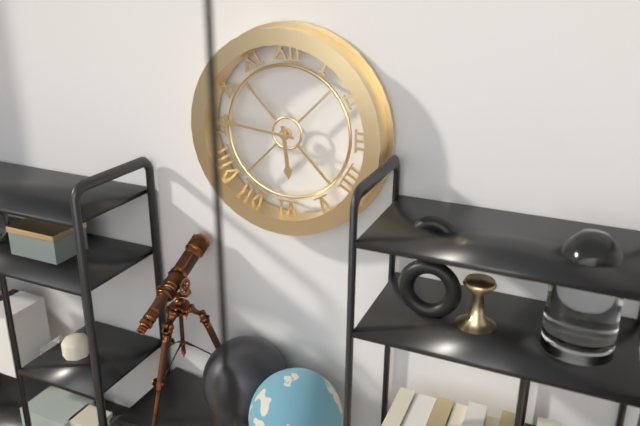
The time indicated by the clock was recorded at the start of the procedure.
5:46
